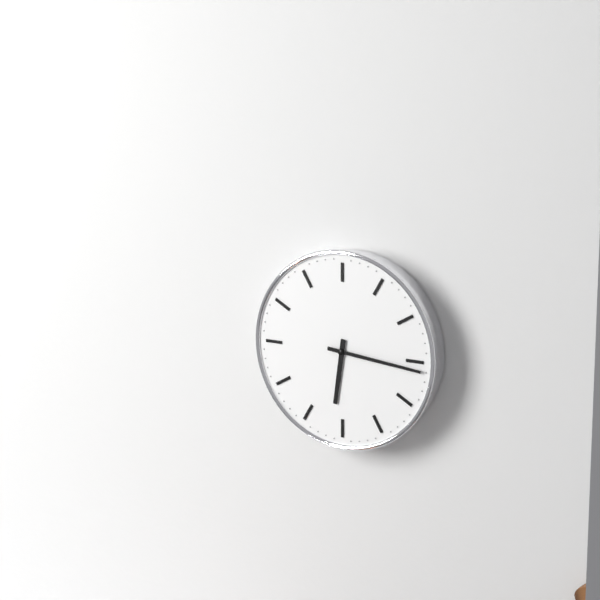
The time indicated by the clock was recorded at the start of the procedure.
6:16
